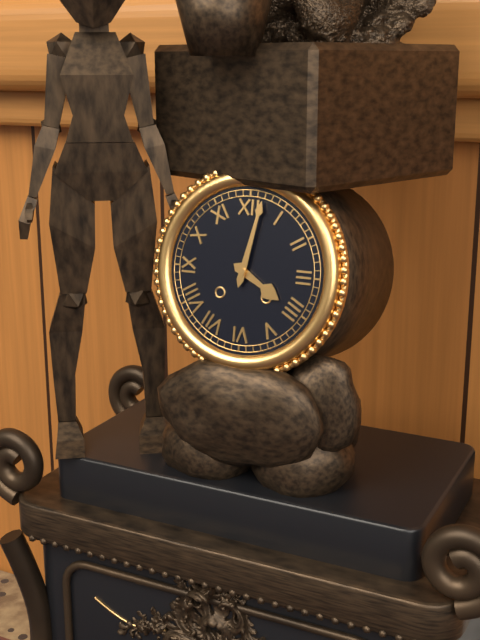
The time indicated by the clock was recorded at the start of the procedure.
4:02
